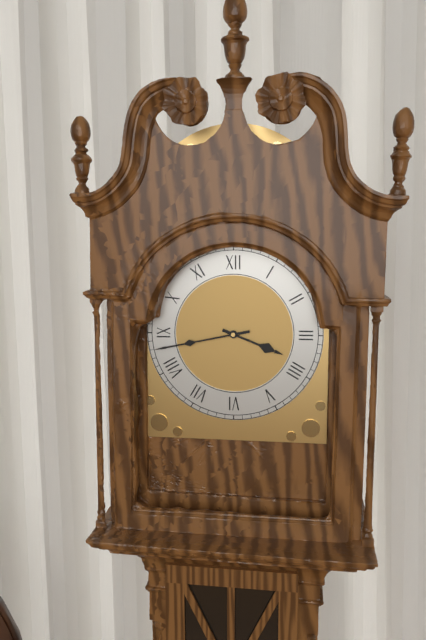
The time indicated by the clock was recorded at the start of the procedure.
3:43
